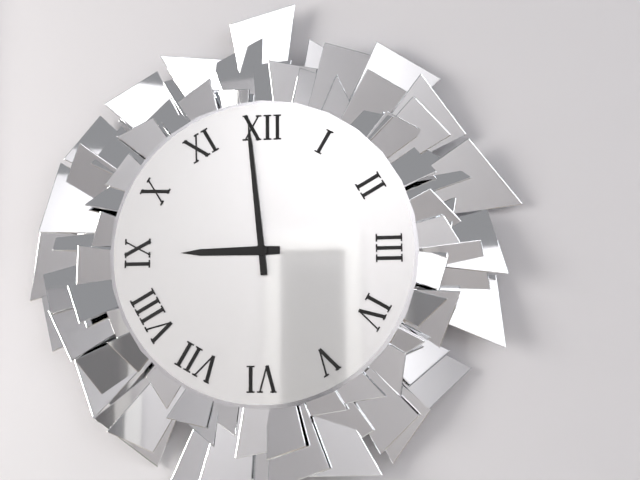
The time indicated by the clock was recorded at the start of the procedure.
8:59
